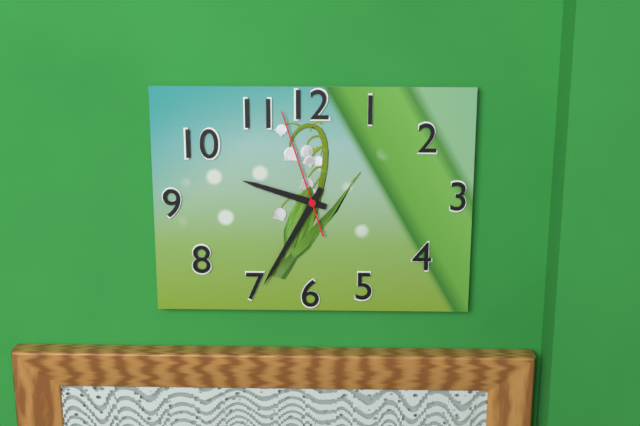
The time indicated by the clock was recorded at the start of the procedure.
9:35:57
